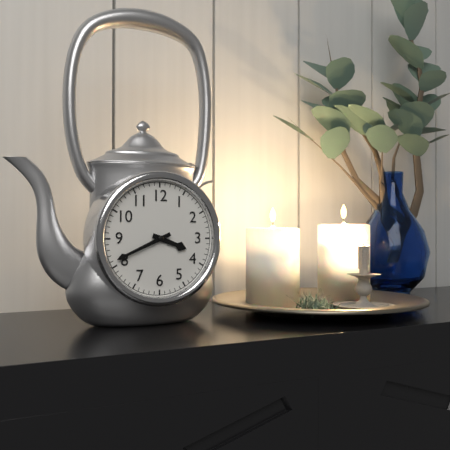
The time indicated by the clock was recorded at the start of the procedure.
3:41
